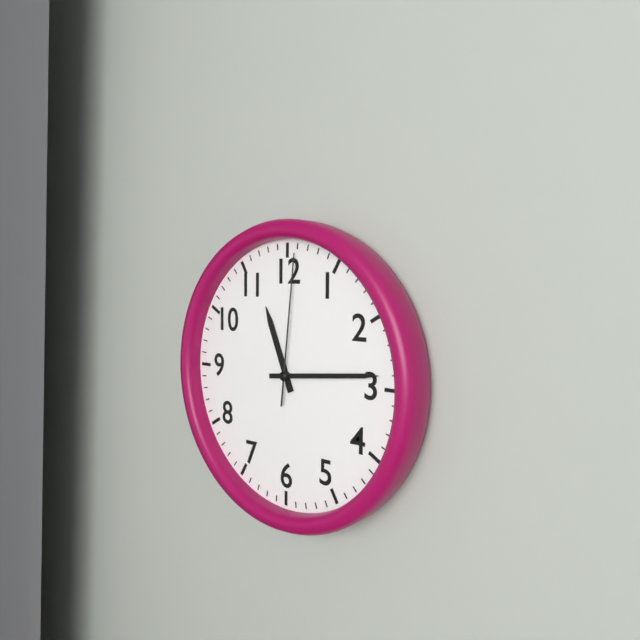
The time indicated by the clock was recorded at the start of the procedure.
11:14:01
